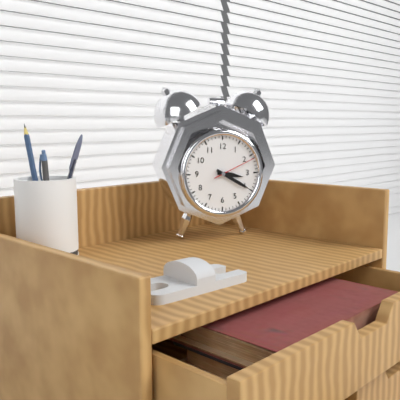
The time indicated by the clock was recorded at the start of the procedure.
3:20
